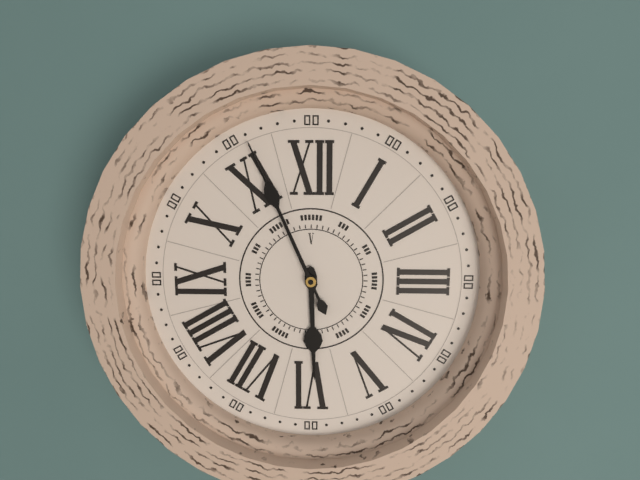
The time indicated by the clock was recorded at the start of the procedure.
5:56
